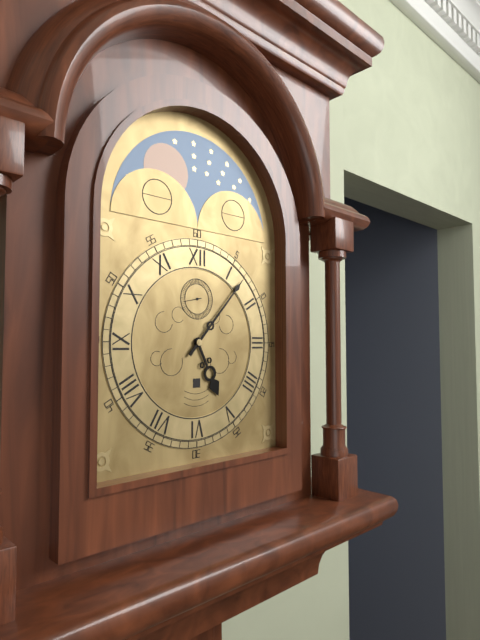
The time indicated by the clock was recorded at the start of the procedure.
5:07
